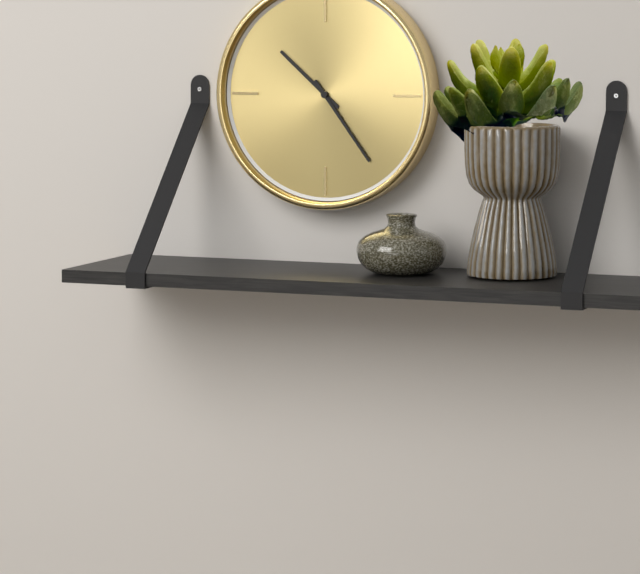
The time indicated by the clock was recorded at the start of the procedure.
10:24
